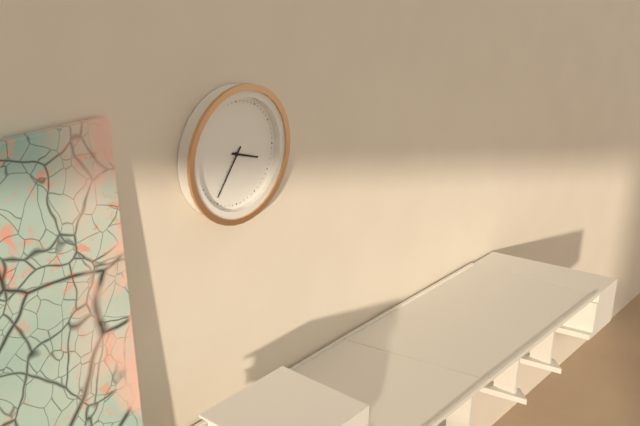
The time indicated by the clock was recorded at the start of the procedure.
3:36
